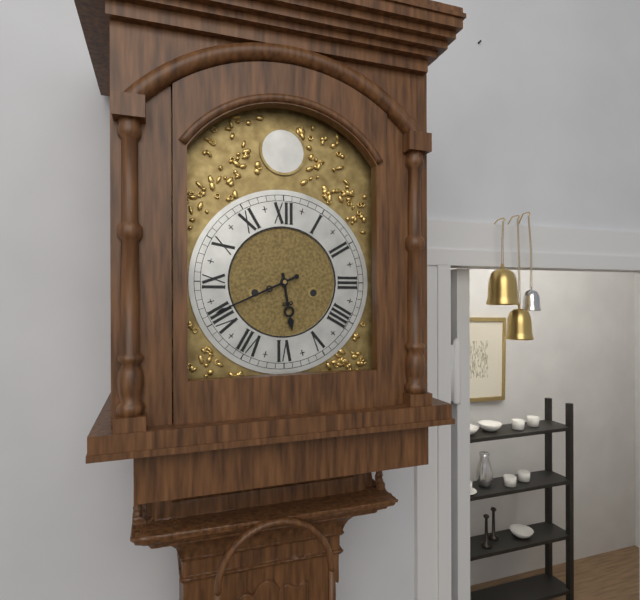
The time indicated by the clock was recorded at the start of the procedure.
5:41
